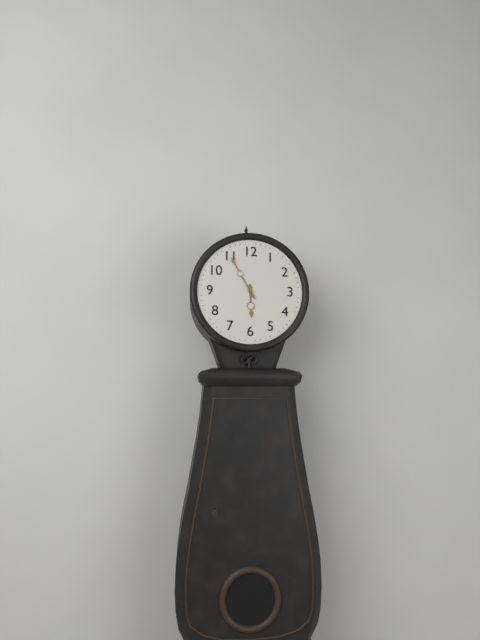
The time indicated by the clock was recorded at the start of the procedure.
5:55
